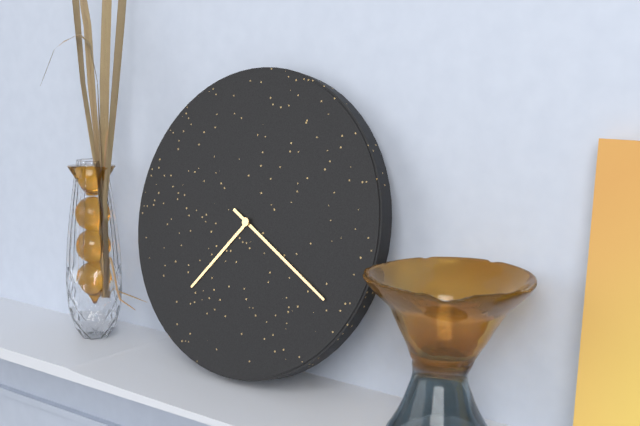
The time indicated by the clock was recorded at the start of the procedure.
7:20
